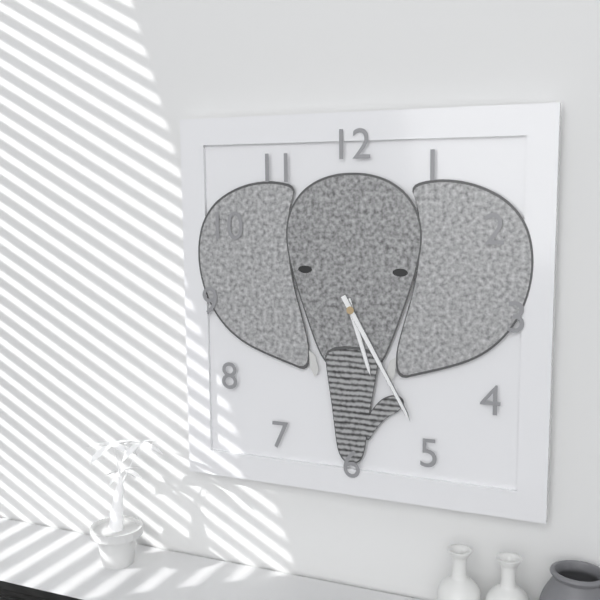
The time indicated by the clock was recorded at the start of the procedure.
5:25
